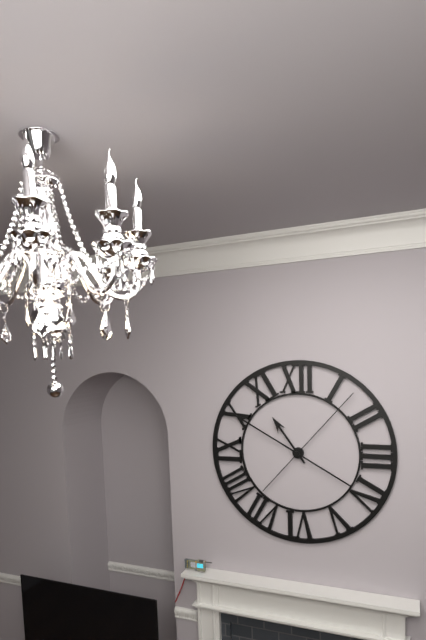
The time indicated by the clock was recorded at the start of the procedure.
10:50:07
